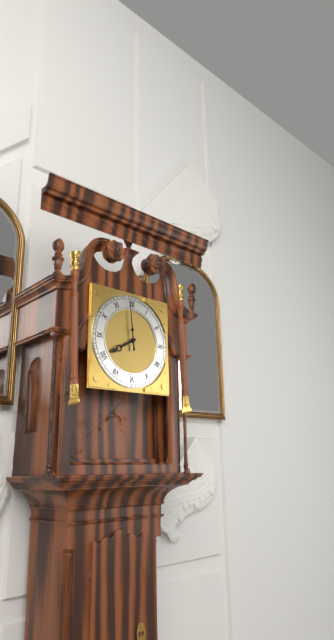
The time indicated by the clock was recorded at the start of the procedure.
7:59
